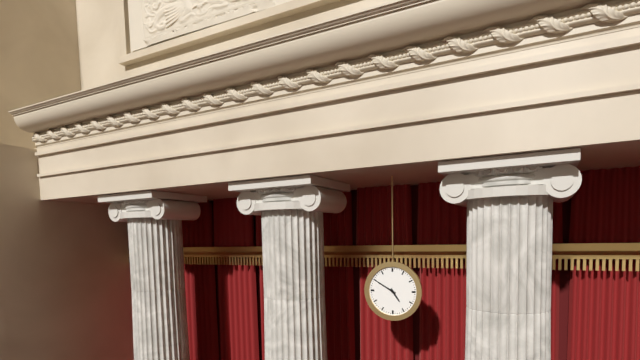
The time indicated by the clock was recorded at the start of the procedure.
4:50
